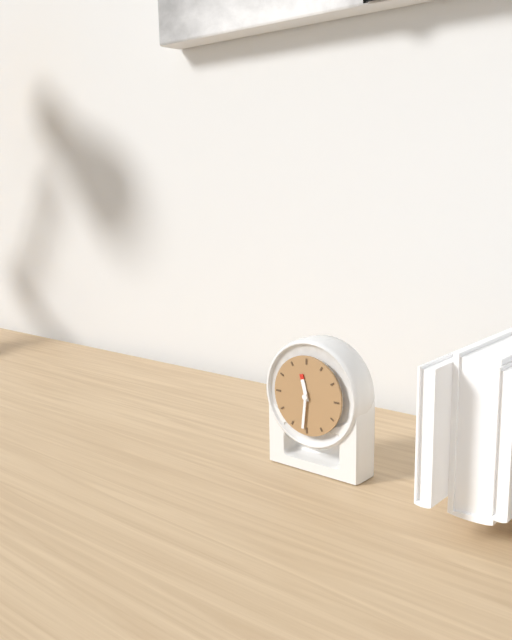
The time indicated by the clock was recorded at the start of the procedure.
11:31
